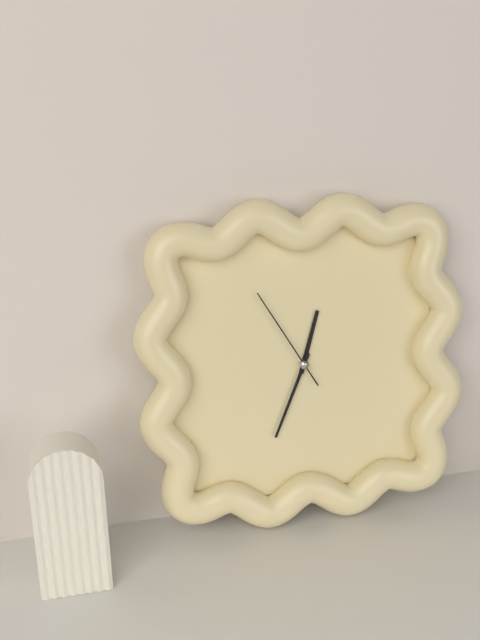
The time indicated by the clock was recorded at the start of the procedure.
12:34:55
